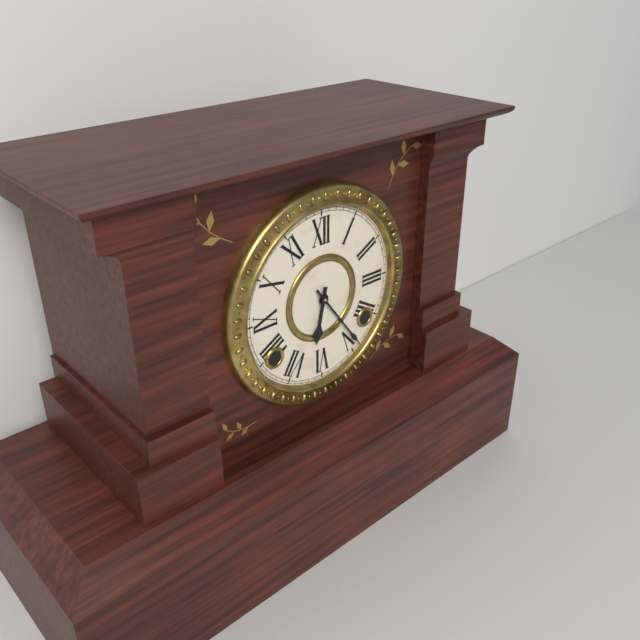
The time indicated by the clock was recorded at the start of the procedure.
6:24
